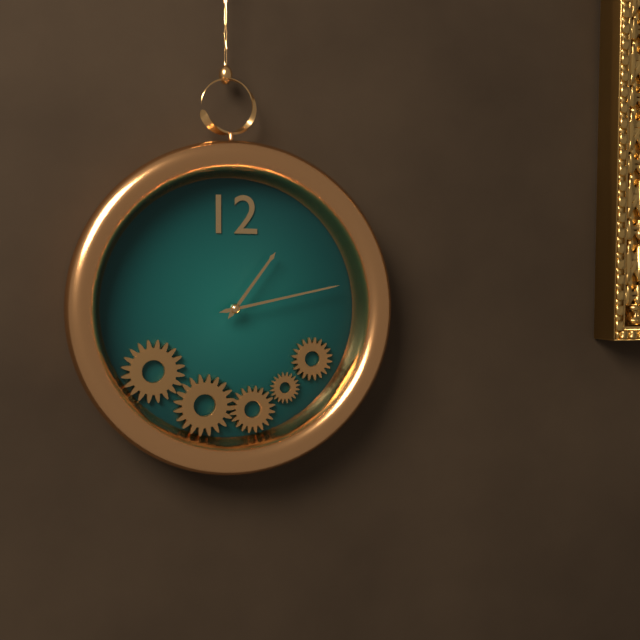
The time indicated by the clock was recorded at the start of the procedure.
1:13
